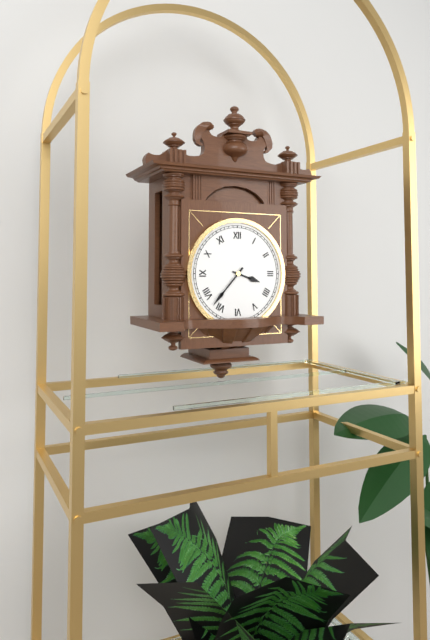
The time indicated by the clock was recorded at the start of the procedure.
3:37
